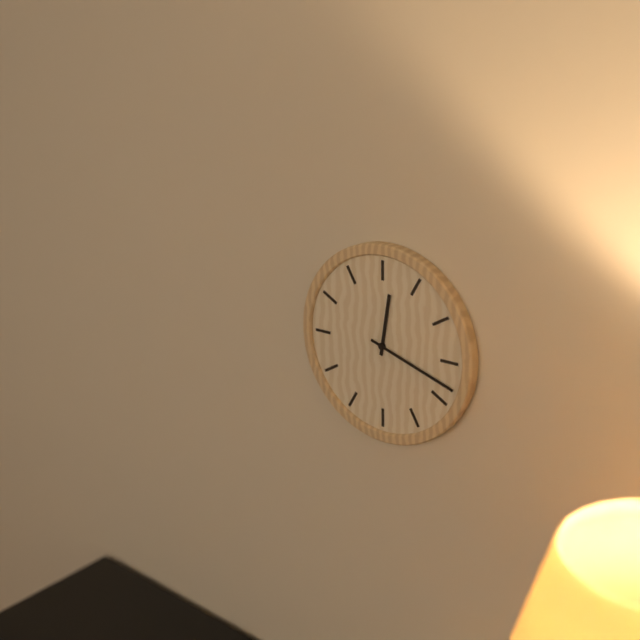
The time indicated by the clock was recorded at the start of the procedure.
12:18
